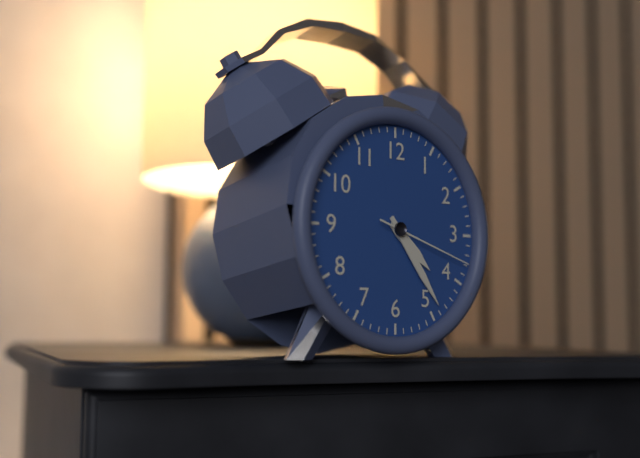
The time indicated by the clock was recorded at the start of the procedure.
4:24:18
